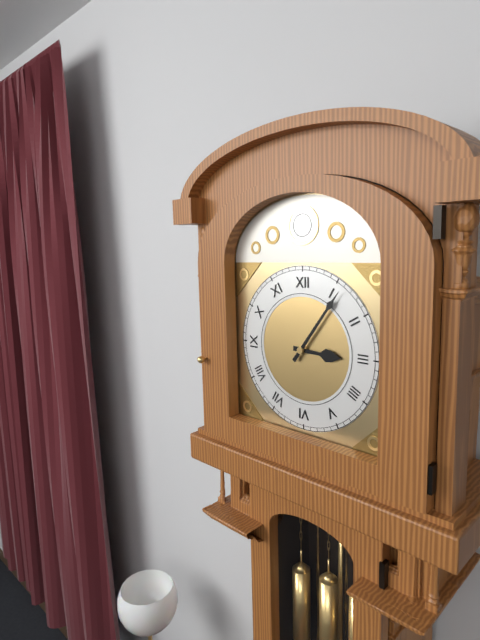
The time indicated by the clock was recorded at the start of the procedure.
3:06
